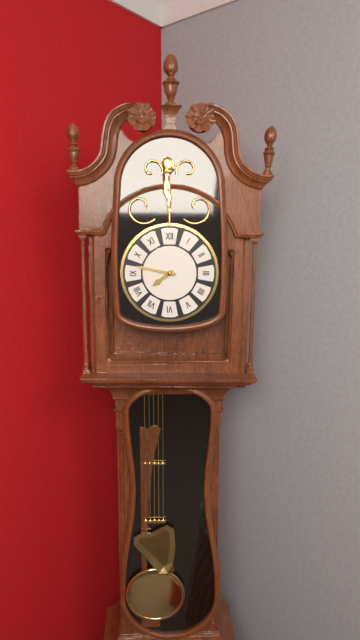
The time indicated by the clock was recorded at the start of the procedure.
7:47
